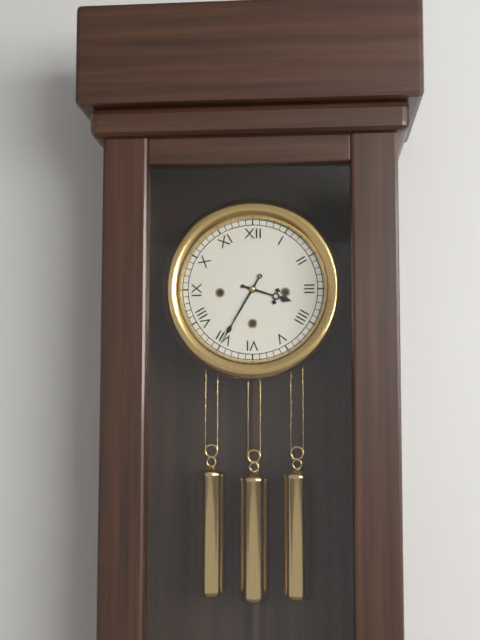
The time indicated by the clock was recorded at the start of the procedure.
3:35
